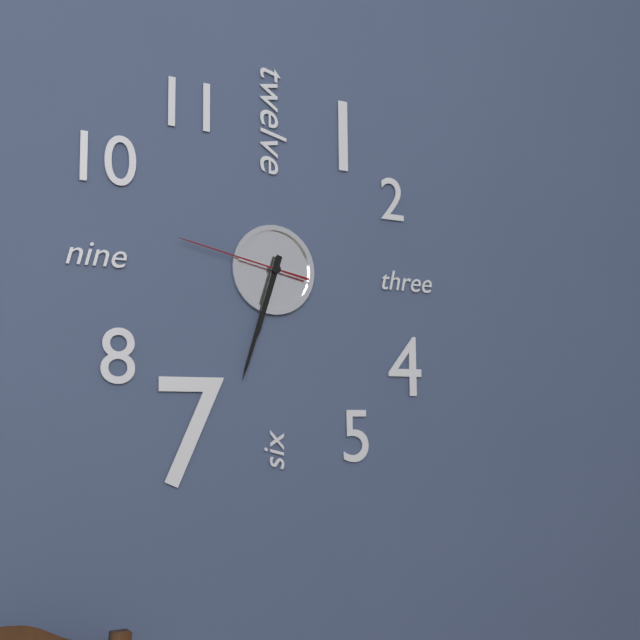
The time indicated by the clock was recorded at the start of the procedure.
6:33:47
